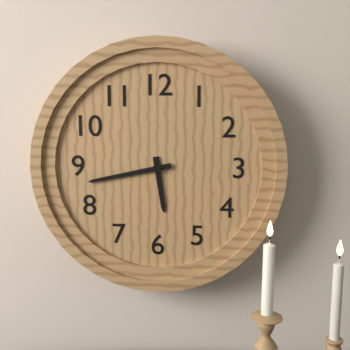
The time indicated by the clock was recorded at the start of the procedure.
5:43
